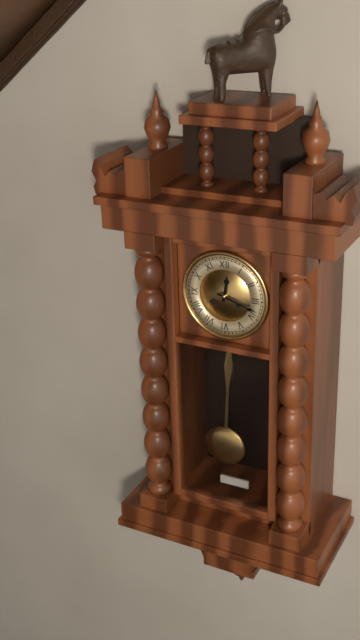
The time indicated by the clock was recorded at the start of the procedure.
12:18
